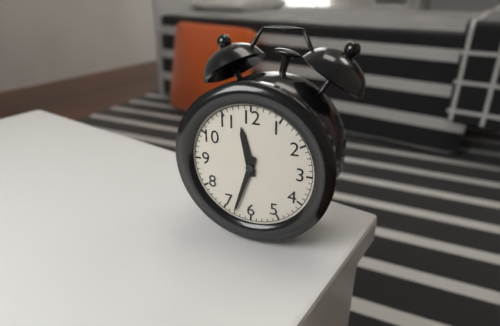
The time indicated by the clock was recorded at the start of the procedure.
11:33
